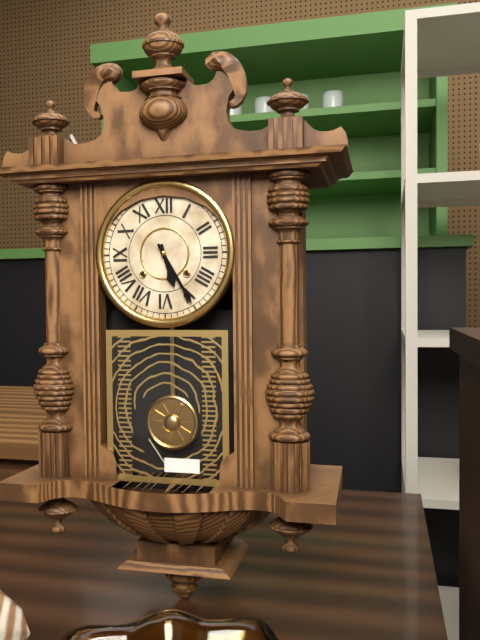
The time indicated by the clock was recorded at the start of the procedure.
5:25
